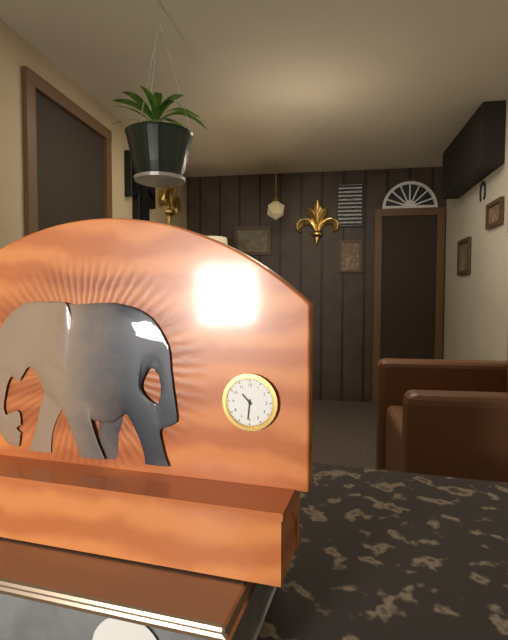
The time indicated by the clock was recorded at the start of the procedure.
10:31
